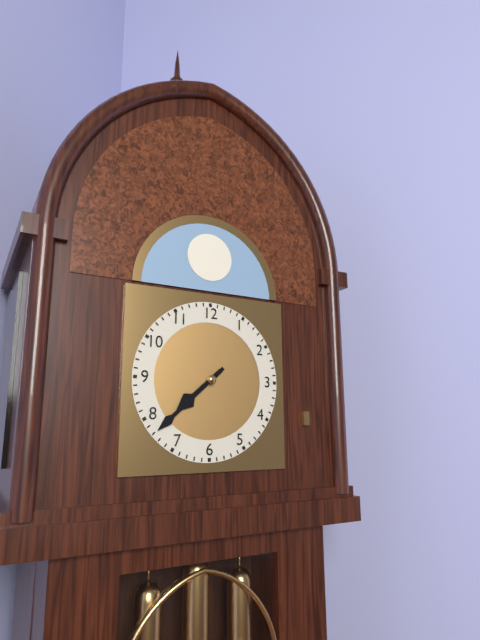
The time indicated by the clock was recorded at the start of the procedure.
7:38
